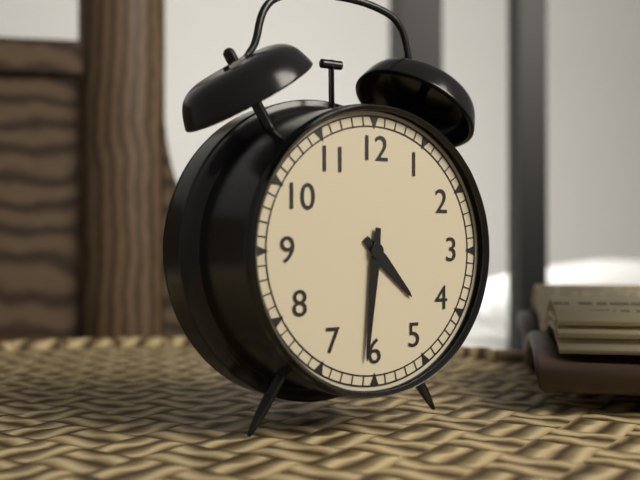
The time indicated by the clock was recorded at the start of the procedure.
4:31
